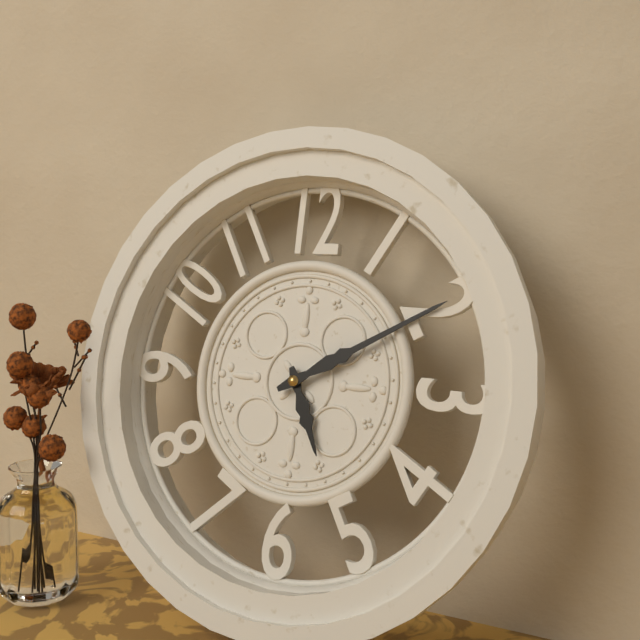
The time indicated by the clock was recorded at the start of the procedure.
5:10
